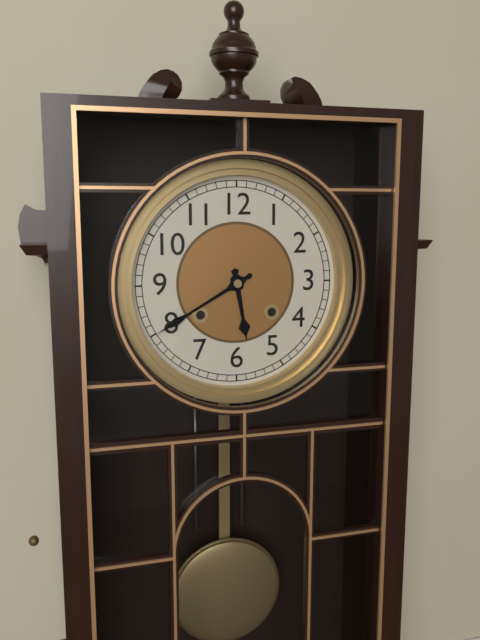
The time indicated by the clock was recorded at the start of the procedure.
5:40
